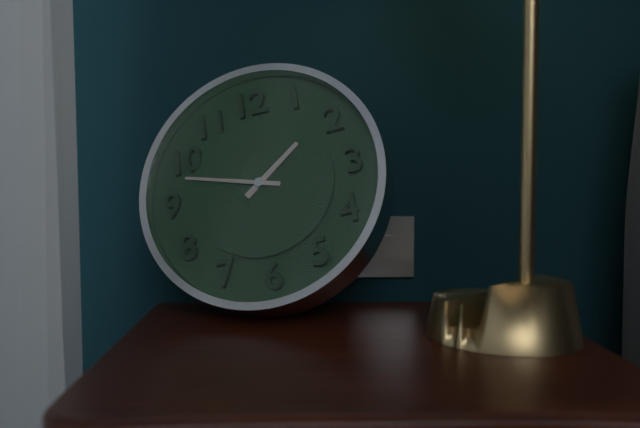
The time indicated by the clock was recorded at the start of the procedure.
1:48
